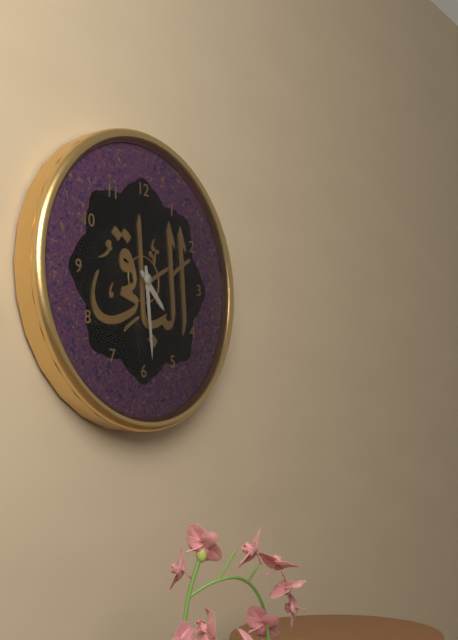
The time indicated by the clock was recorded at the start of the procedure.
4:29
